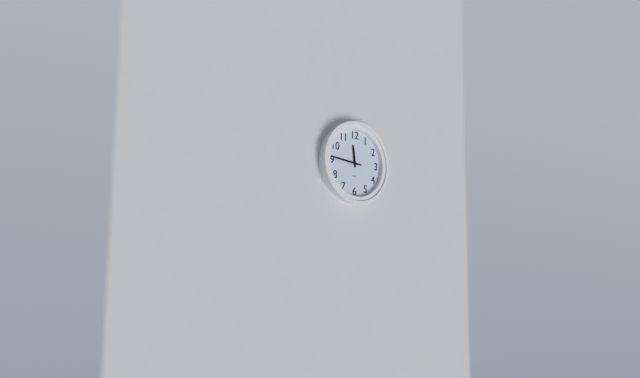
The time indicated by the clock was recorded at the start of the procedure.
11:46
